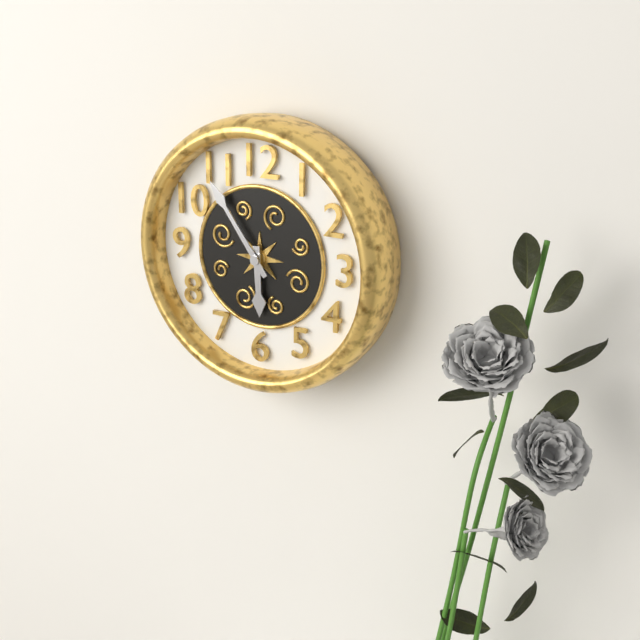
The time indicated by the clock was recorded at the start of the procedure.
5:54
